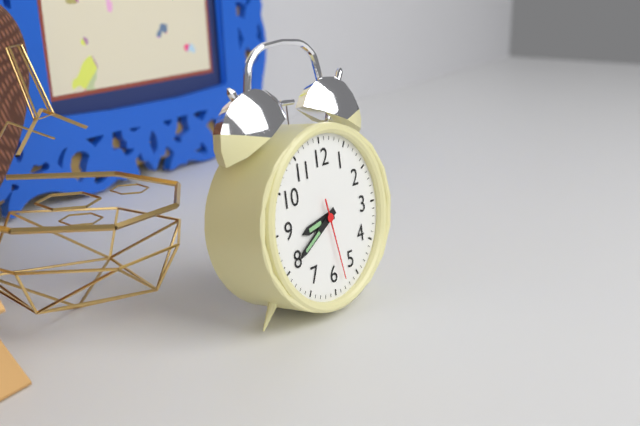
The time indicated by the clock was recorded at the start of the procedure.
8:40:28
